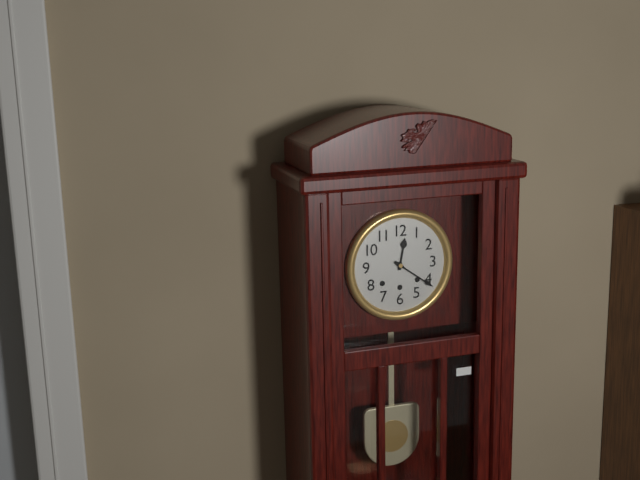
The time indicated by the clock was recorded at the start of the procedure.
12:21
